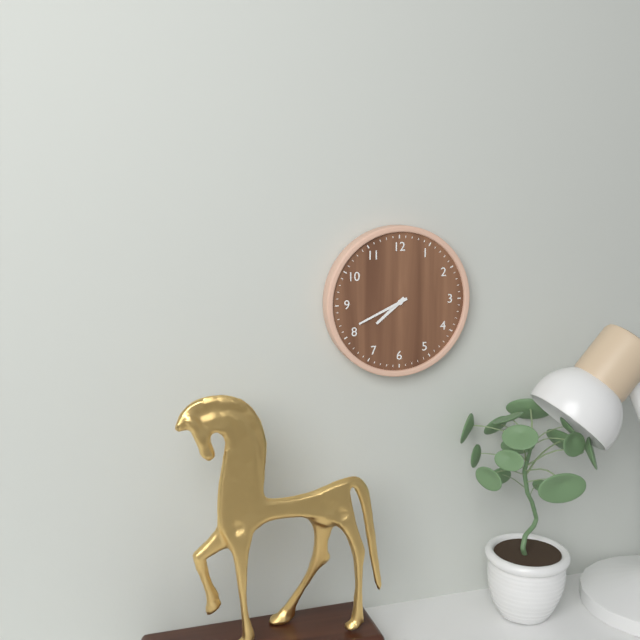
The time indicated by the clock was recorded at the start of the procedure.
7:41
